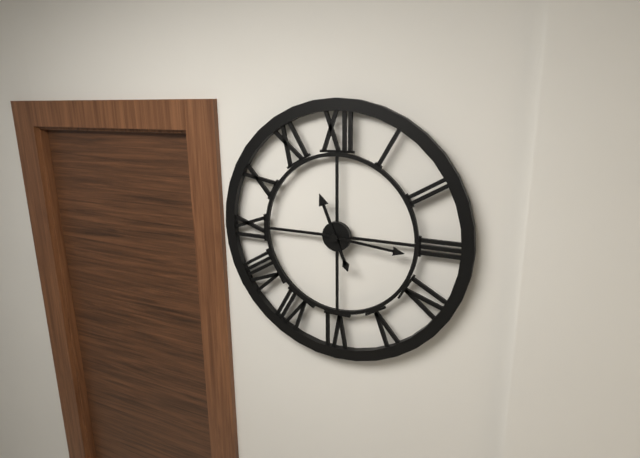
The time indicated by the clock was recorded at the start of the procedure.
11:16
